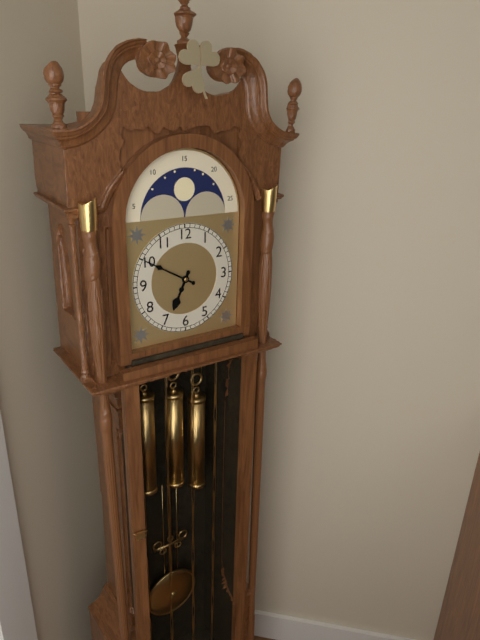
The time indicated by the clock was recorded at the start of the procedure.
6:50
